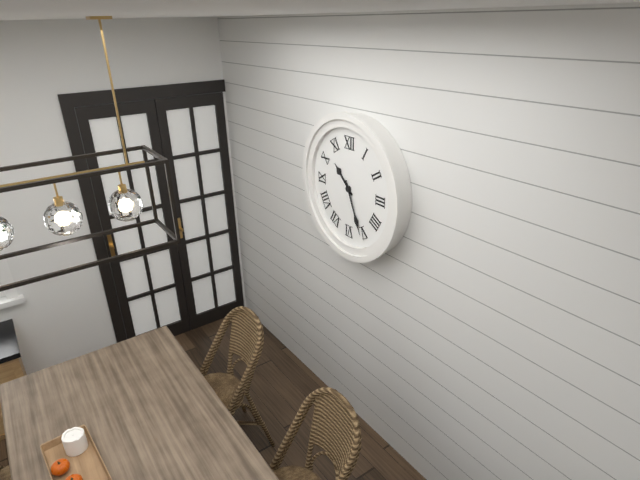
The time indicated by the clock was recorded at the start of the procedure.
10:26
